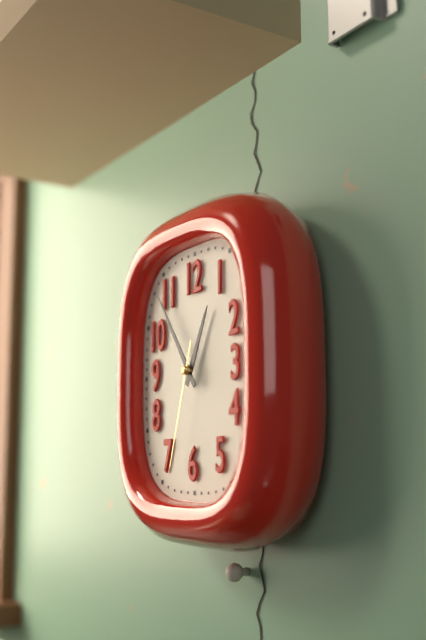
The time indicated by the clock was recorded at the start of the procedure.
12:54:33
